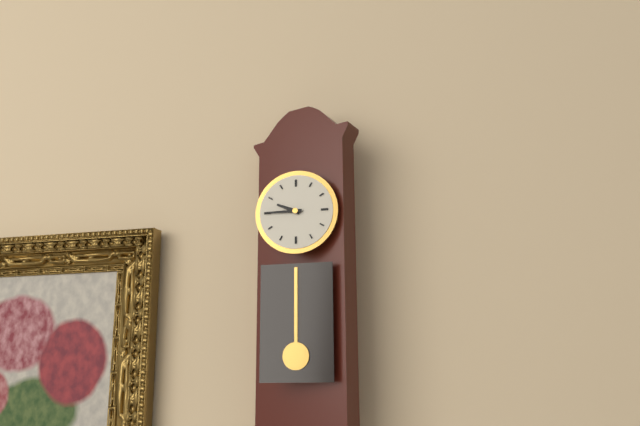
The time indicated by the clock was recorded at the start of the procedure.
9:45
